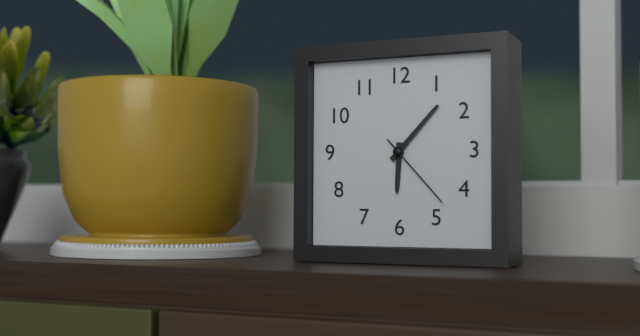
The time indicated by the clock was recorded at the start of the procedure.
6:07:23
